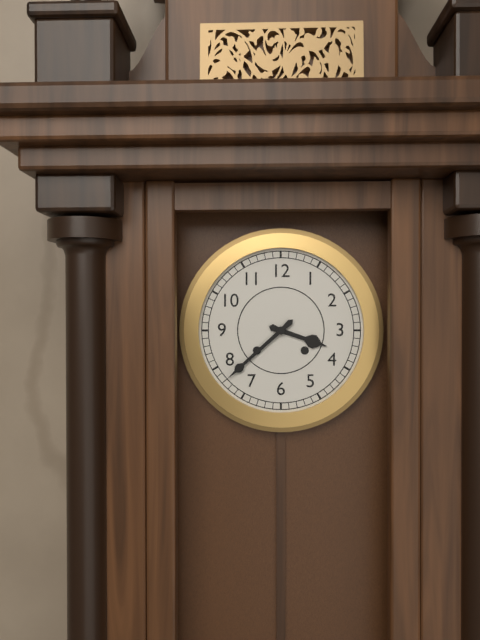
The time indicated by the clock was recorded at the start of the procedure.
3:38
